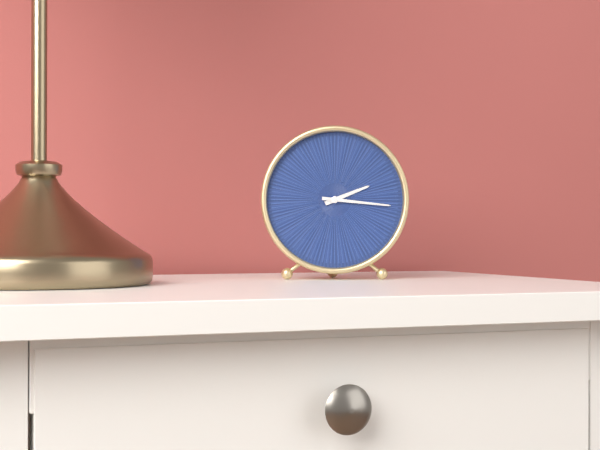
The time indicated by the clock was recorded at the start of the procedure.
2:16
